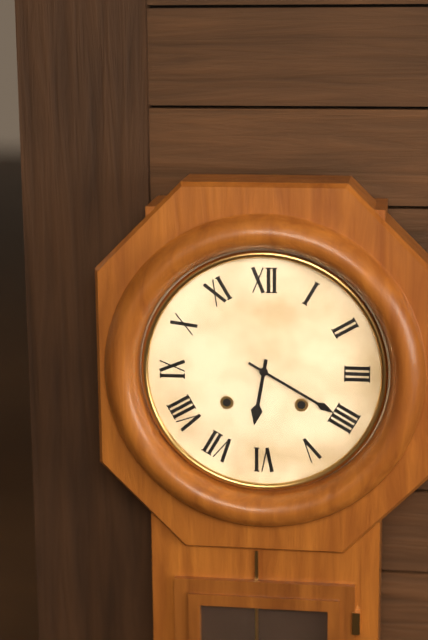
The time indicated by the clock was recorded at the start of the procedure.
6:20
